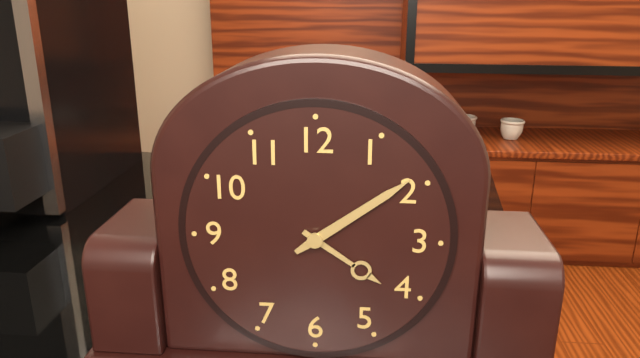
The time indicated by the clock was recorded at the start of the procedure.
4:09
